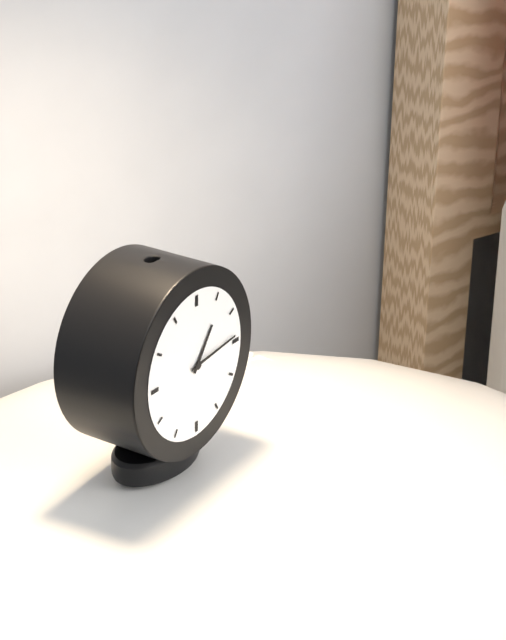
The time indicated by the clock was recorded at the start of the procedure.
1:14
